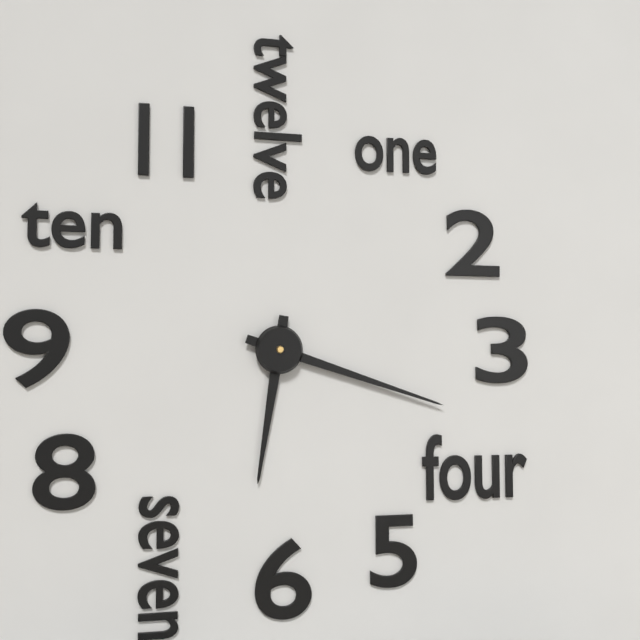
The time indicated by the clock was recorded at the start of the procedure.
6:18
